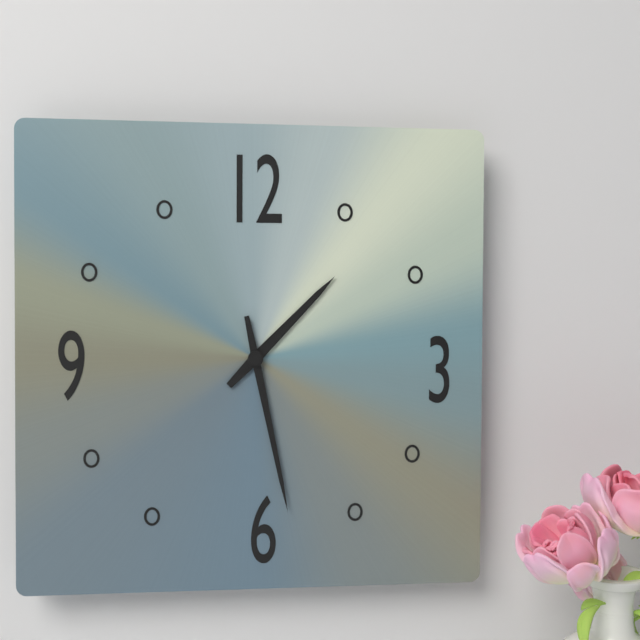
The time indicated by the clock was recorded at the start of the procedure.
1:28
